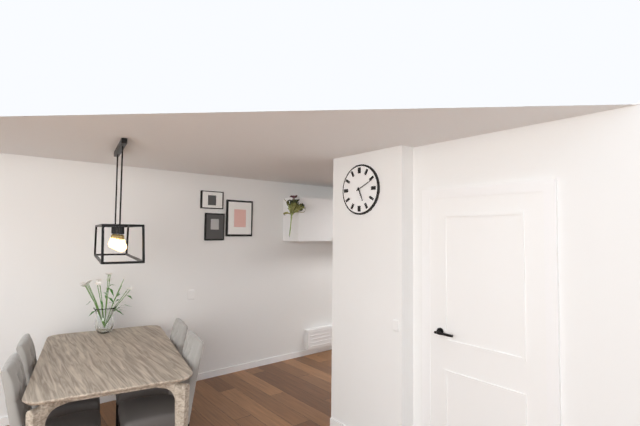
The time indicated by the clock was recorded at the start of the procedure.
5:11
